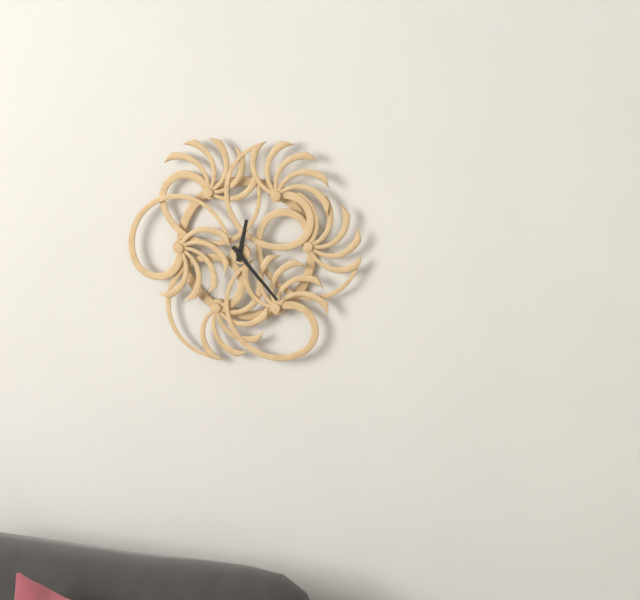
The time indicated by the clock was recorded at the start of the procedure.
12:23
